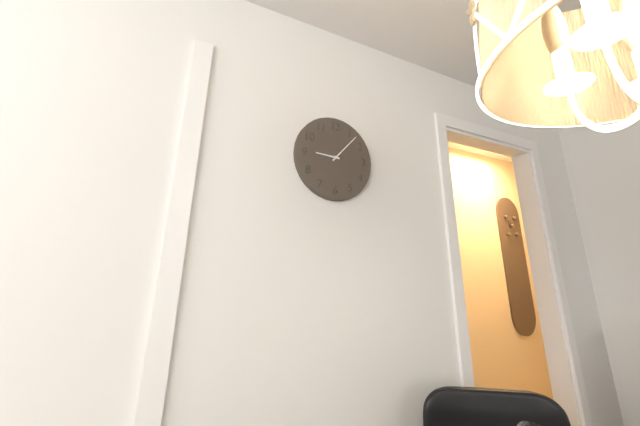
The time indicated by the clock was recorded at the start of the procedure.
9:07
